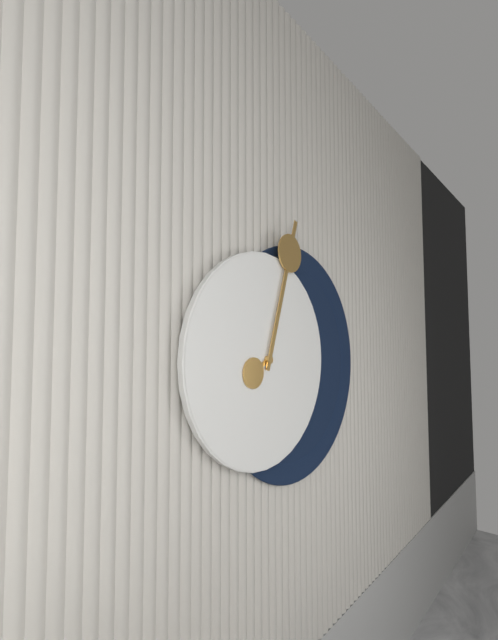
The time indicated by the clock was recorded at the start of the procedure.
8:03
